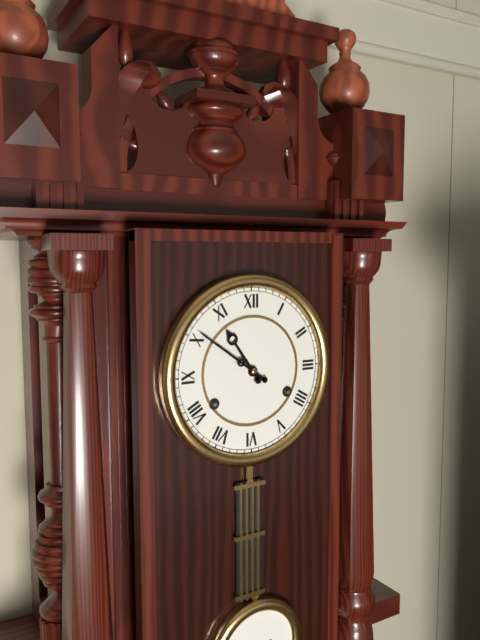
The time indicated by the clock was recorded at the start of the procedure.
10:51
